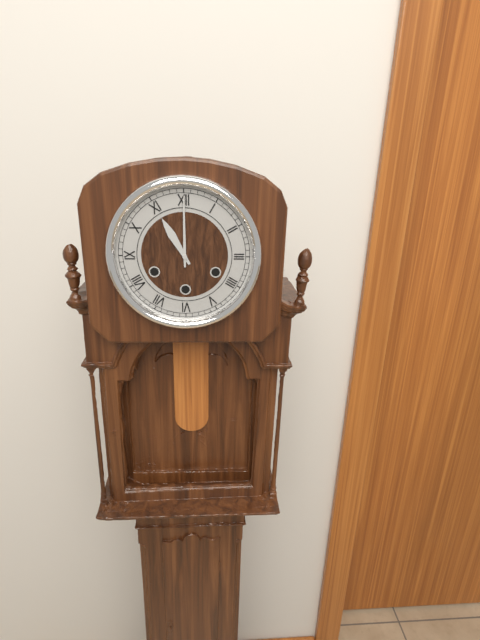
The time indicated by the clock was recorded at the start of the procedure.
11:00
